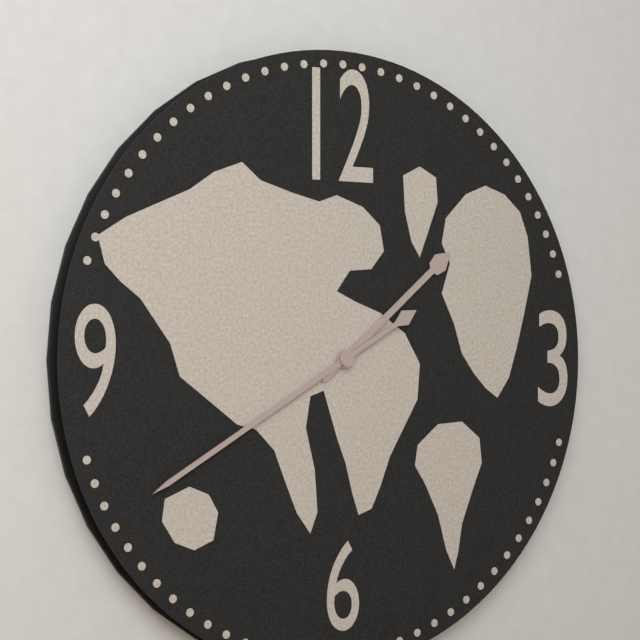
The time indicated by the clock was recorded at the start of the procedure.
1:40
